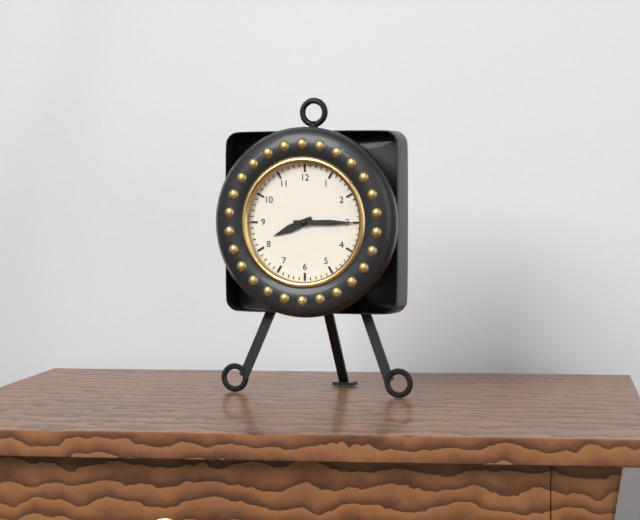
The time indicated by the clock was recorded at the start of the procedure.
8:15
